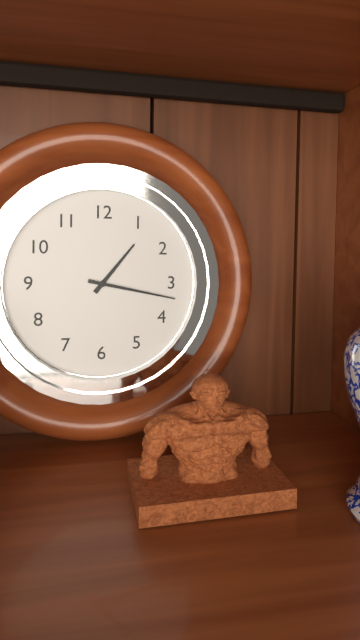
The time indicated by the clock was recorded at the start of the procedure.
1:17
